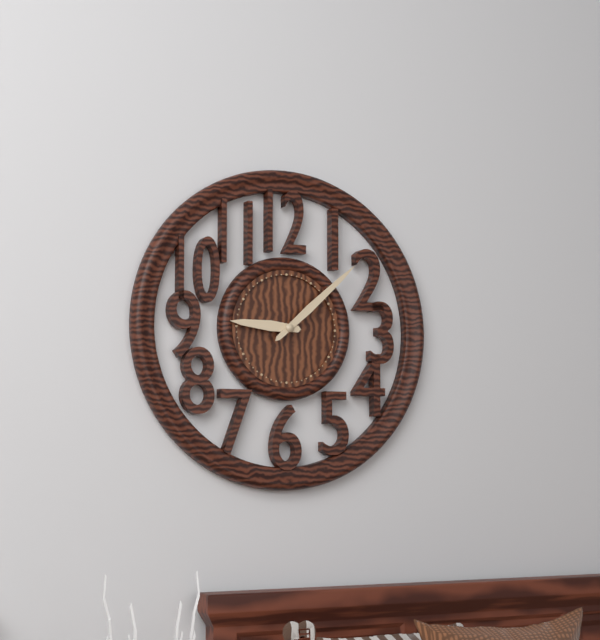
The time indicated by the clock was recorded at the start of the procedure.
9:08
